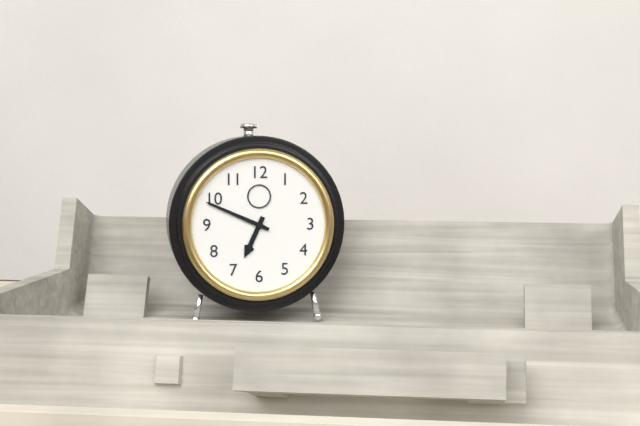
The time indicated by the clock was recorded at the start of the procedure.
6:49
